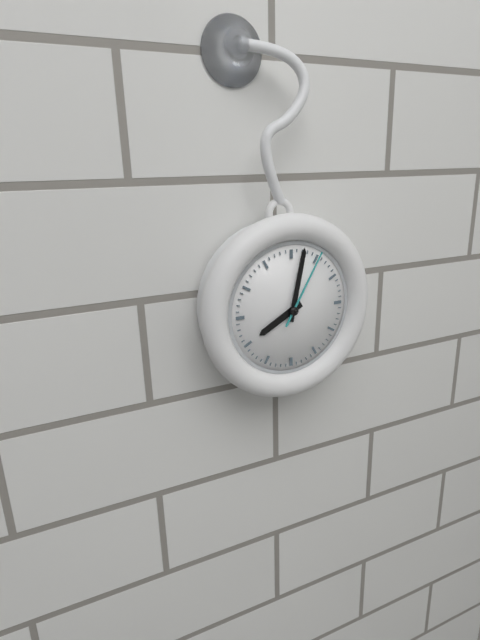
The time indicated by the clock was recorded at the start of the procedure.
8:02:05
